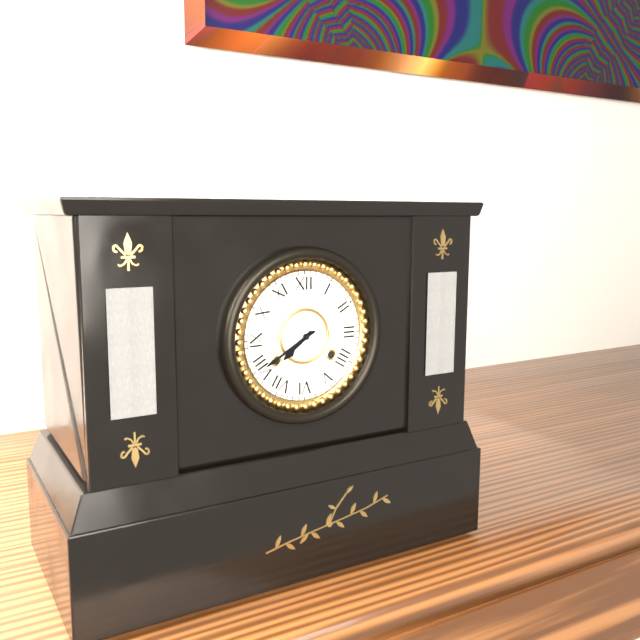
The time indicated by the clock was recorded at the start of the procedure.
7:40
